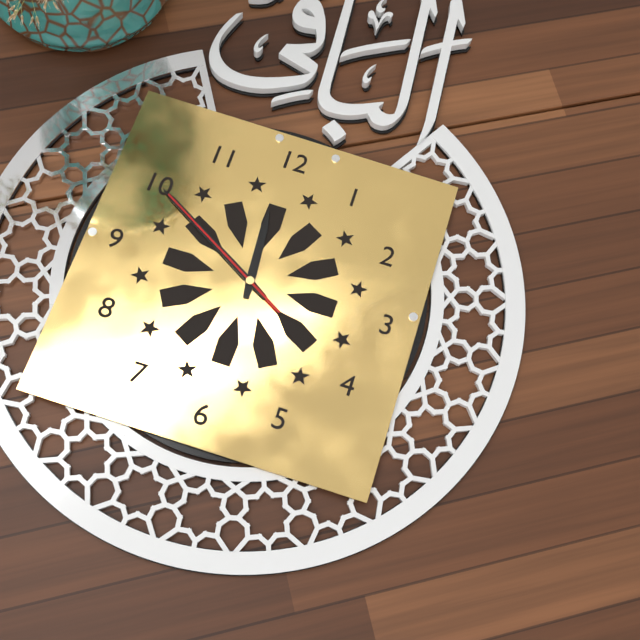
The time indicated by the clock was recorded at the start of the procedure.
11:50:50
